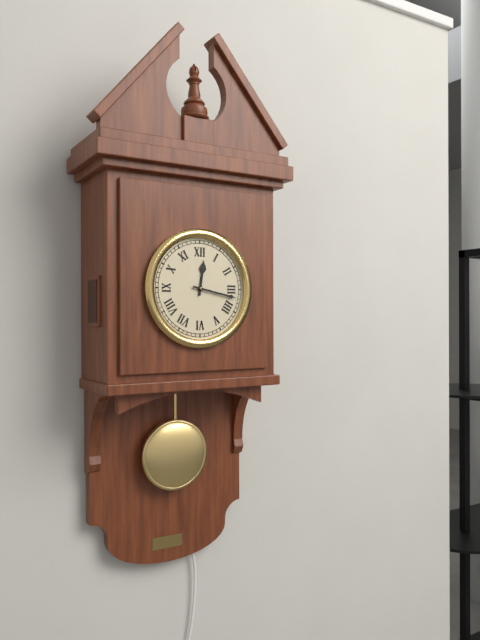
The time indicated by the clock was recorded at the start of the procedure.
12:17
